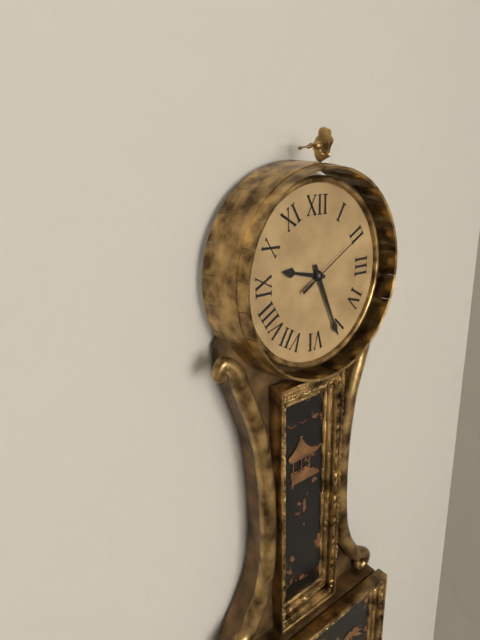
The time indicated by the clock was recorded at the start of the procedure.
9:26:10
